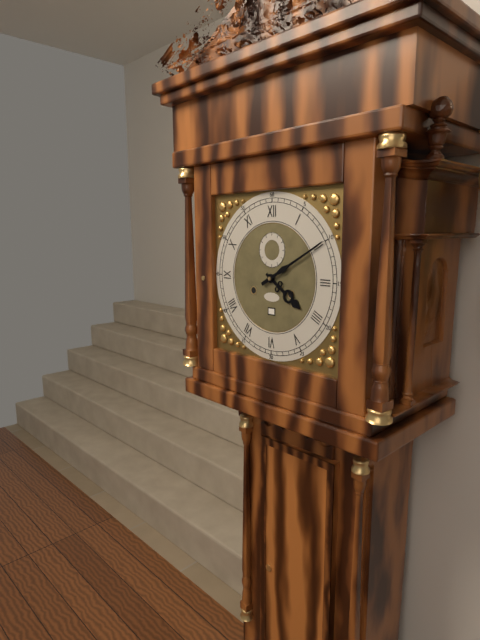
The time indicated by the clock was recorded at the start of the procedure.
4:10
